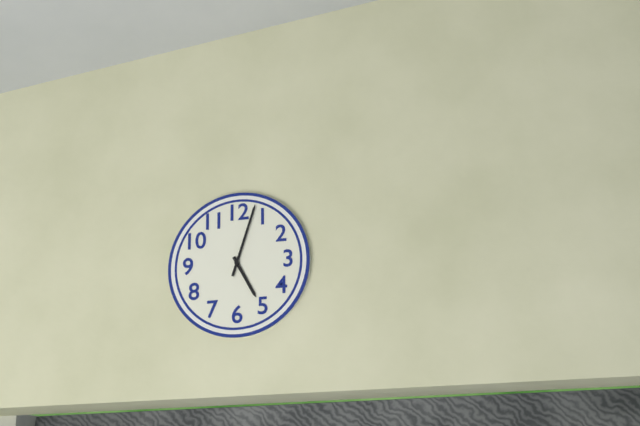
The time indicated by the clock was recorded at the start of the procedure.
5:03
